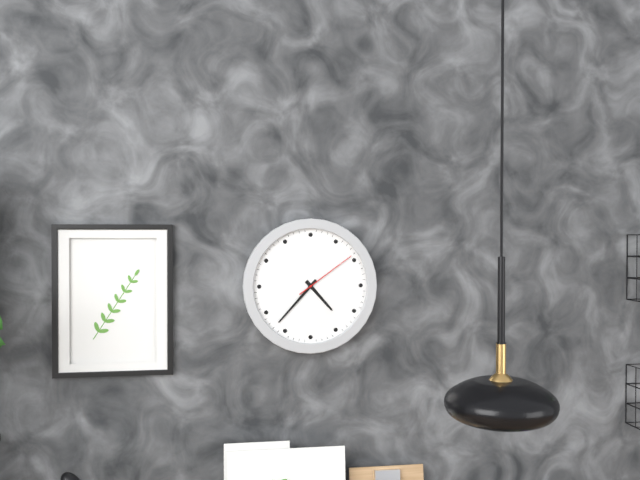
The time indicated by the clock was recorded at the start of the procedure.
4:37:09
